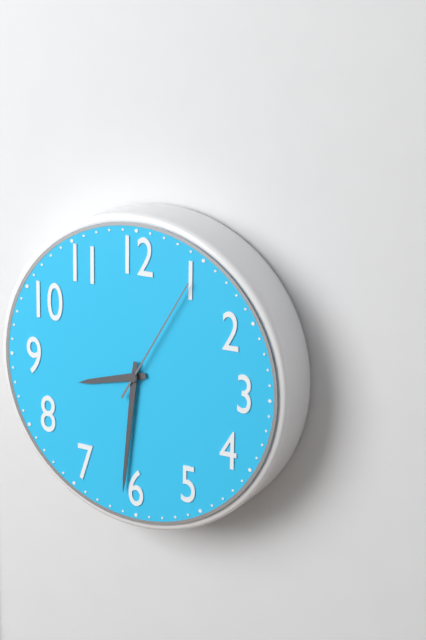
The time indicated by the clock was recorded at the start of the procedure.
8:31:05
